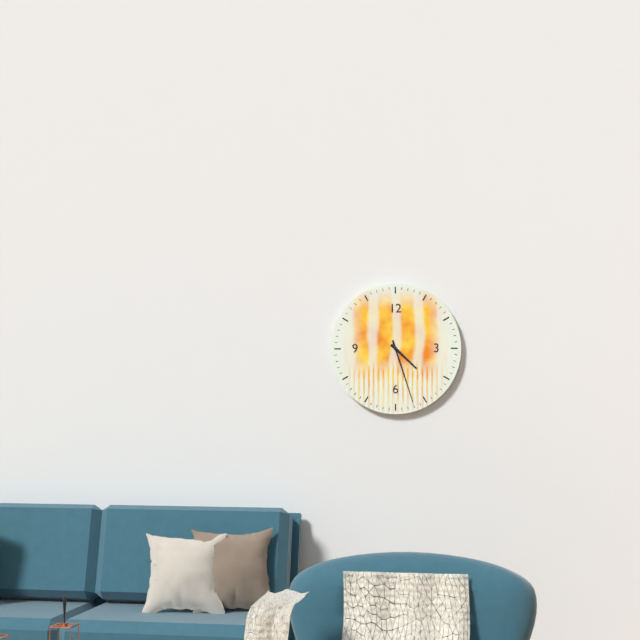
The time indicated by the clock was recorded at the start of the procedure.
4:27
